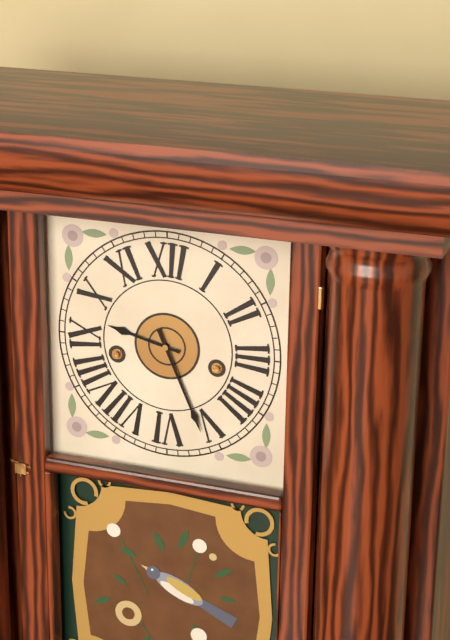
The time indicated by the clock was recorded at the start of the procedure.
9:26
